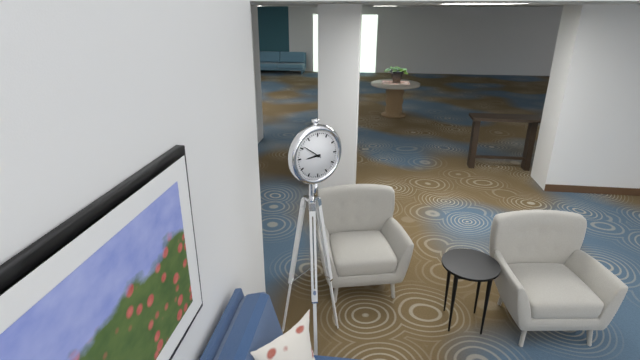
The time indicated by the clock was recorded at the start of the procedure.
8:51
